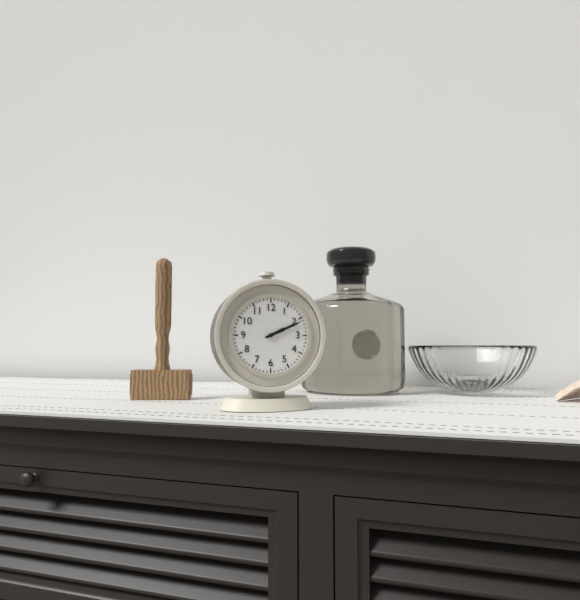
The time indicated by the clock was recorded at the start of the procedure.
2:11
